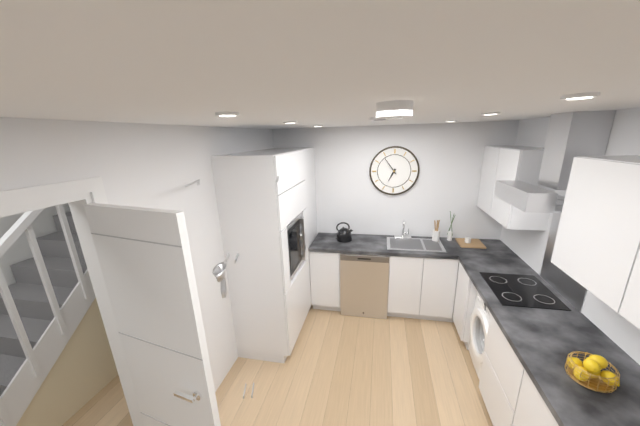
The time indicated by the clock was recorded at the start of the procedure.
6:54
